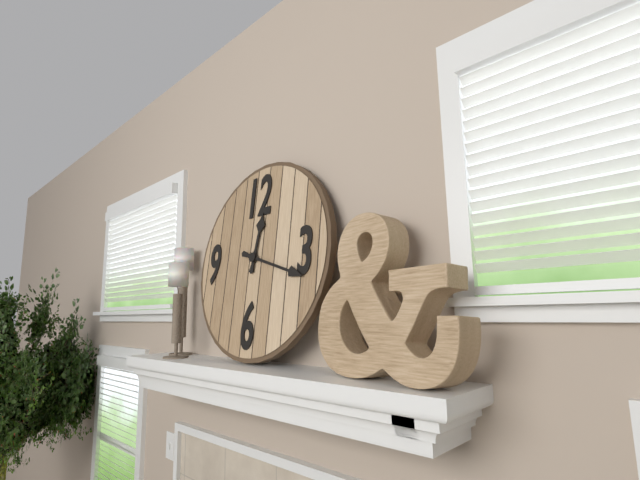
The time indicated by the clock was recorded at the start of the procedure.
12:18
